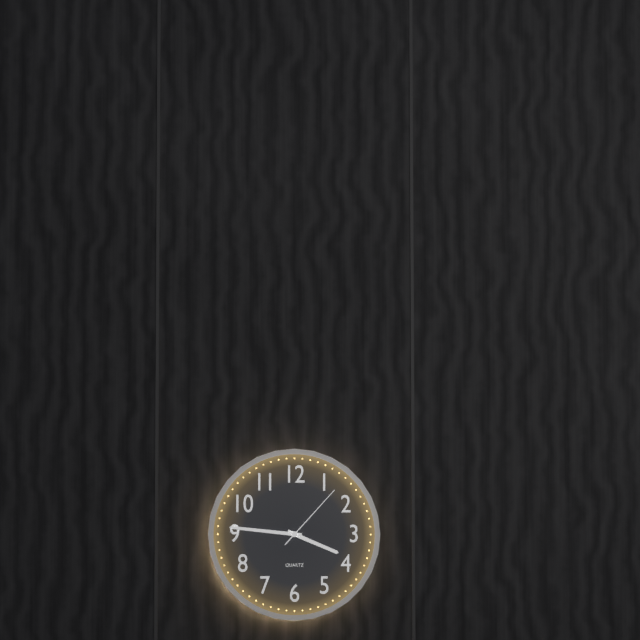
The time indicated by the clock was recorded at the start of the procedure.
3:46:07
